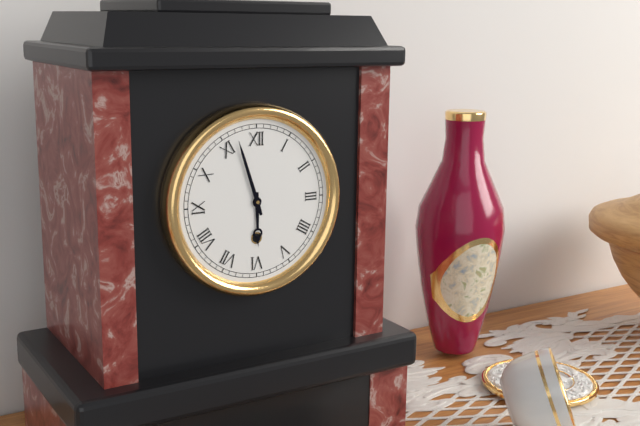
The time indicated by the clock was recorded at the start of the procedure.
5:57
